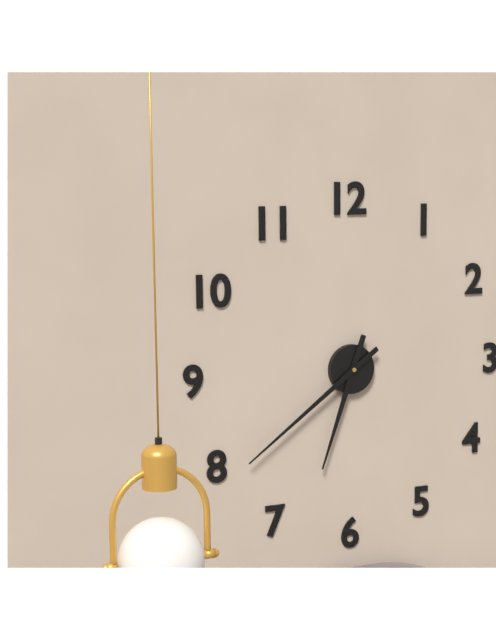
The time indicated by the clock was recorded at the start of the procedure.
6:39
